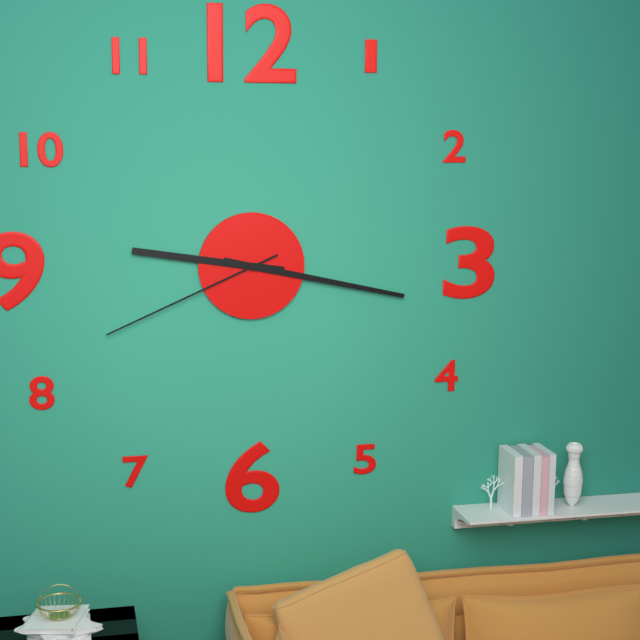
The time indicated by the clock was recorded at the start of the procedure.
9:17:41
